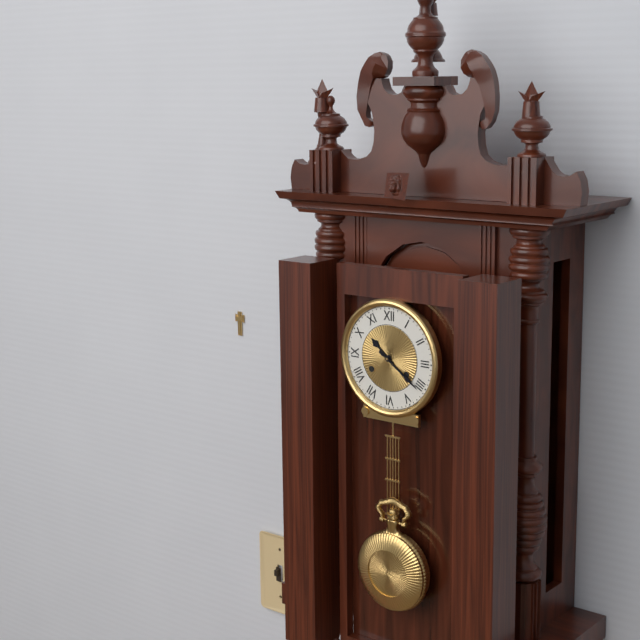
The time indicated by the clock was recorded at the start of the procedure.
10:21
